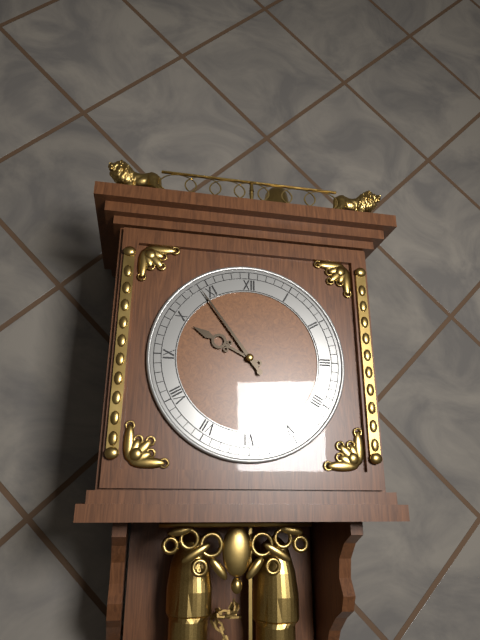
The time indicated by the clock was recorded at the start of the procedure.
9:54
